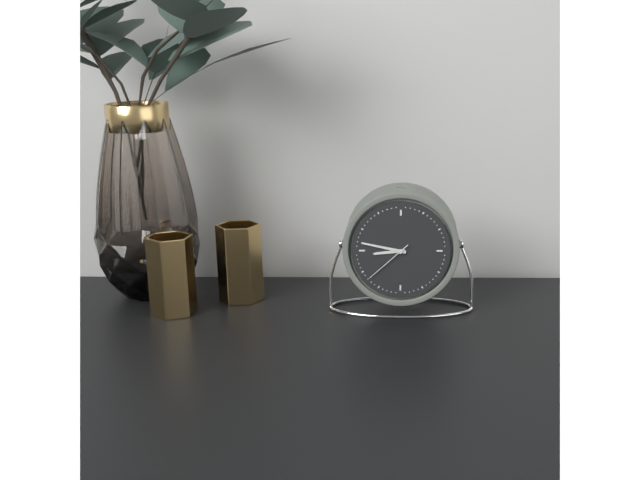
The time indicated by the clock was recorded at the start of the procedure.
8:47:38
